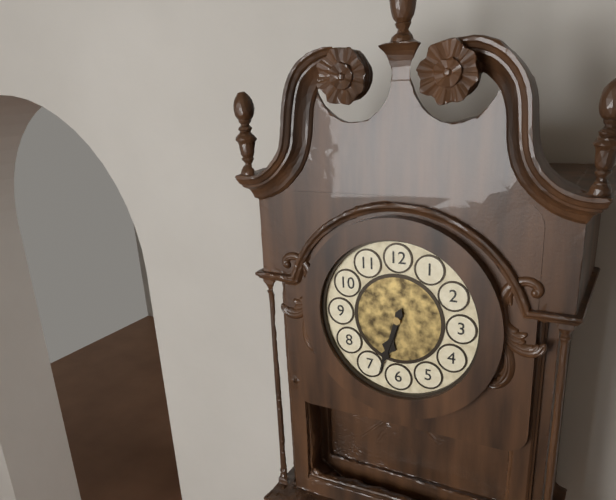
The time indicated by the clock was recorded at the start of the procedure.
6:33
